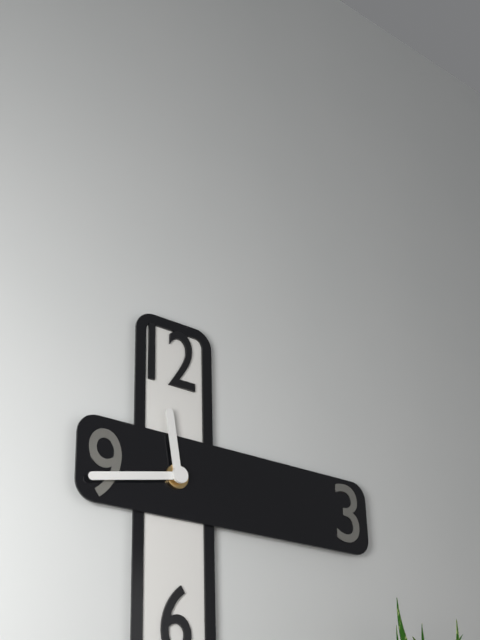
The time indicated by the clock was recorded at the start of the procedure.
11:43
